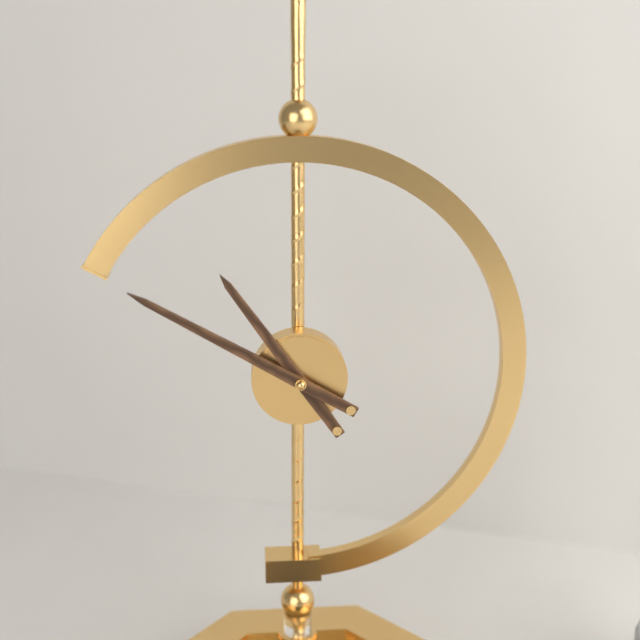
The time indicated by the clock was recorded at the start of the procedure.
10:50
